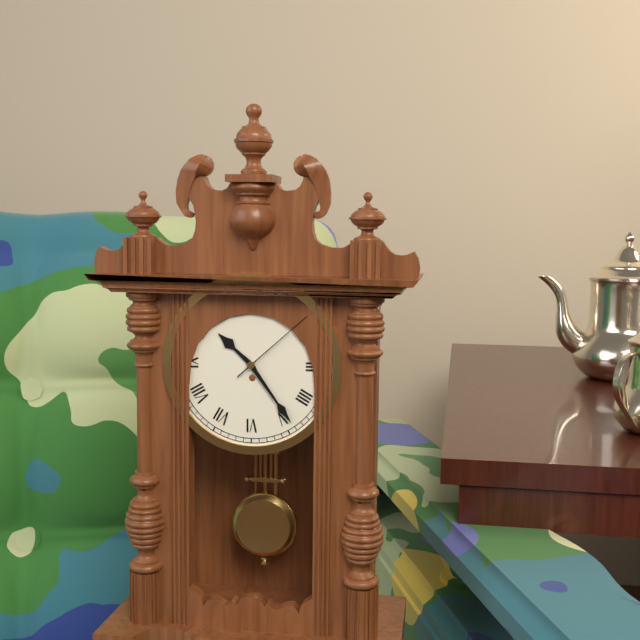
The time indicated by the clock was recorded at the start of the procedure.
10:24:08
